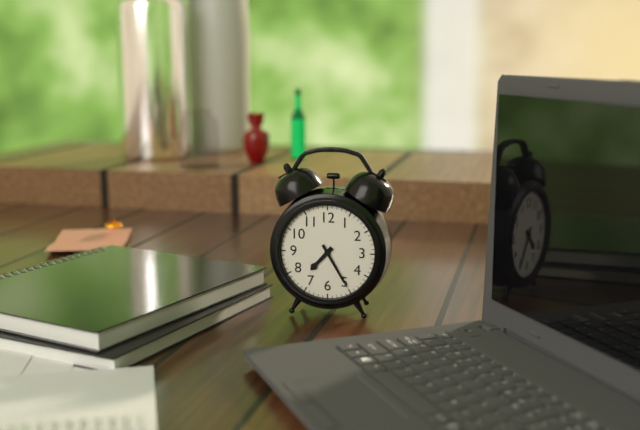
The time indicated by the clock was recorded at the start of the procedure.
7:25
